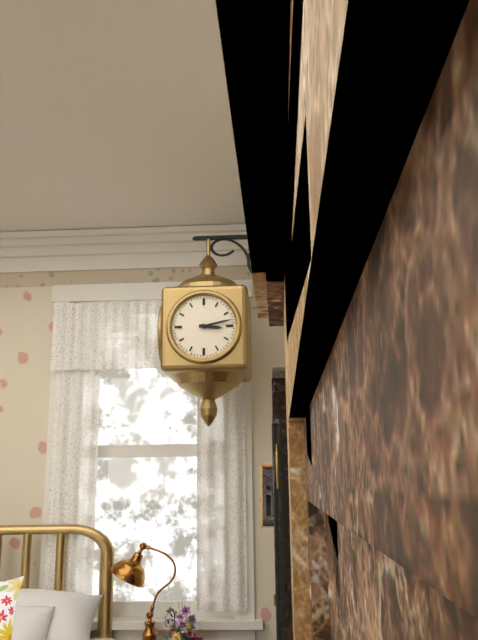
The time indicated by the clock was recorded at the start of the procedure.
3:13
